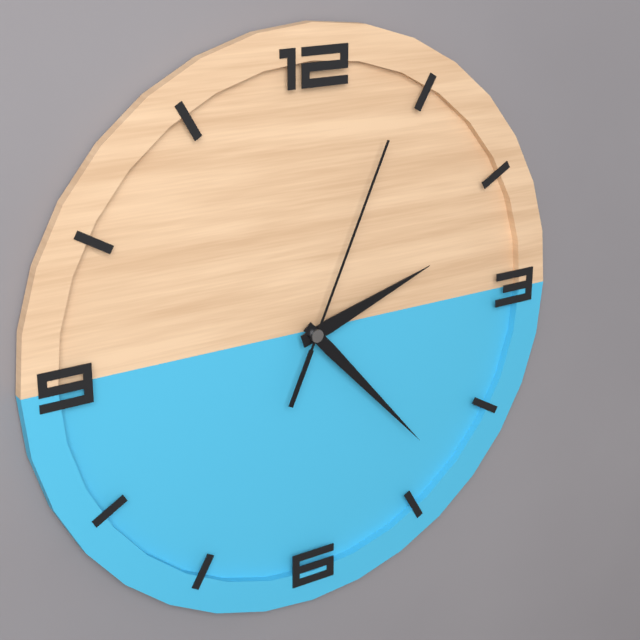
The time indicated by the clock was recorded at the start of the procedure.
2:23:04
